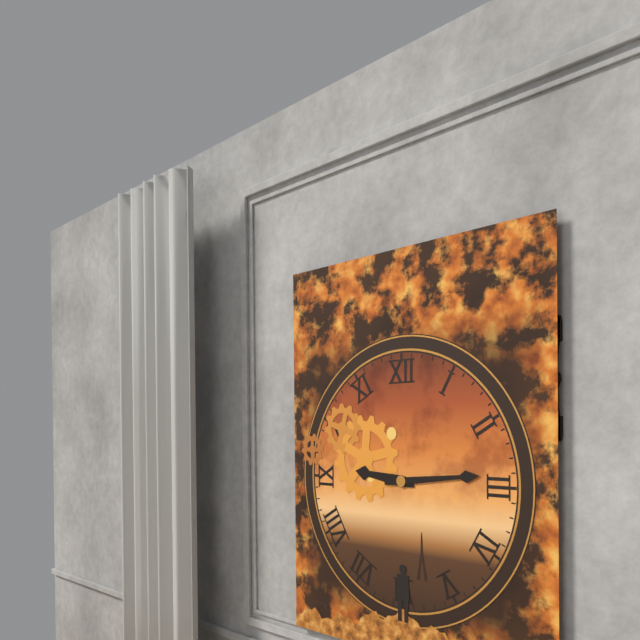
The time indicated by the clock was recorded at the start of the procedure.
9:14
